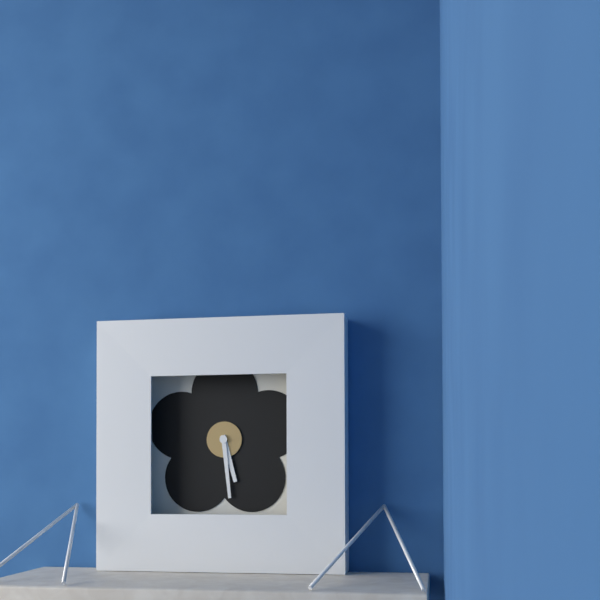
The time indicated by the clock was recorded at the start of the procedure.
5:29
